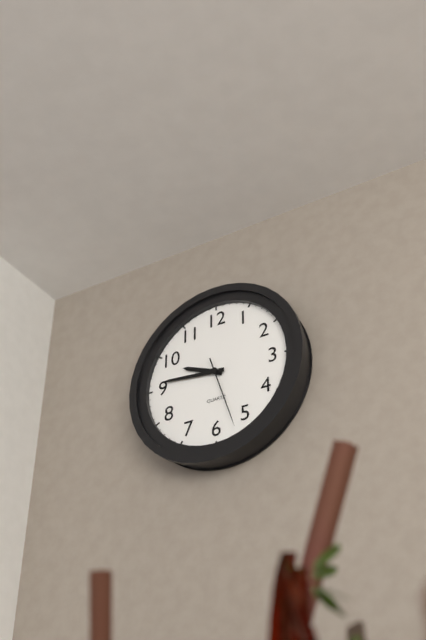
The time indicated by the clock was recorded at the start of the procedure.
9:46:27
